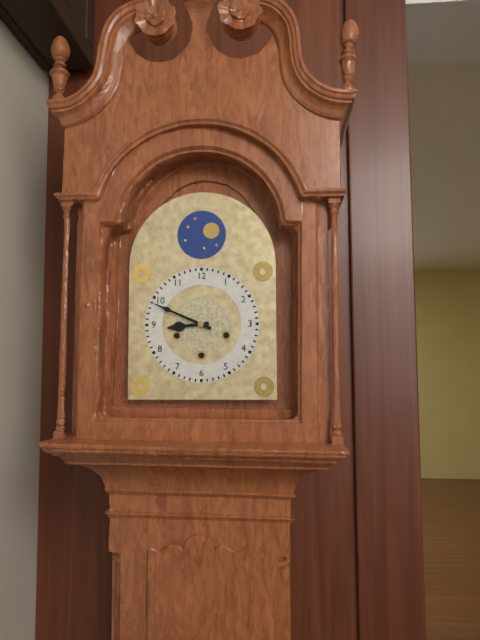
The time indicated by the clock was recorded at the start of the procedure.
8:49
